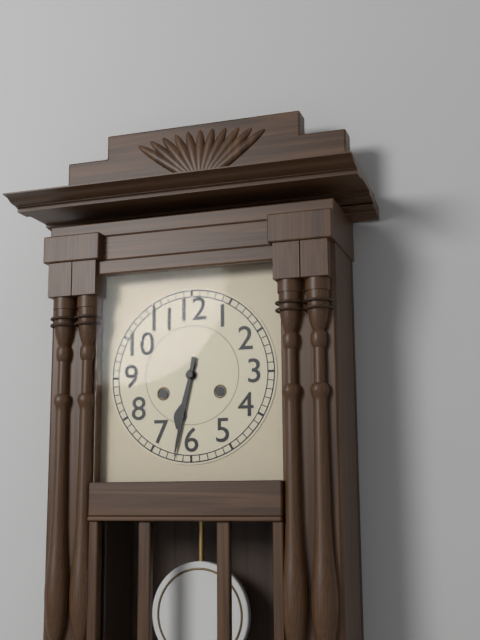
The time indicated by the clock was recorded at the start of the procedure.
6:32
